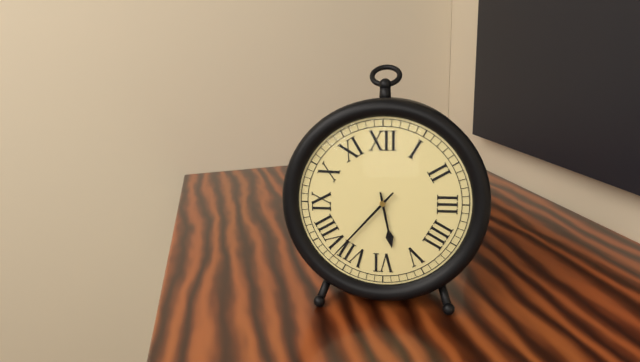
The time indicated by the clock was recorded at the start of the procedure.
5:37
